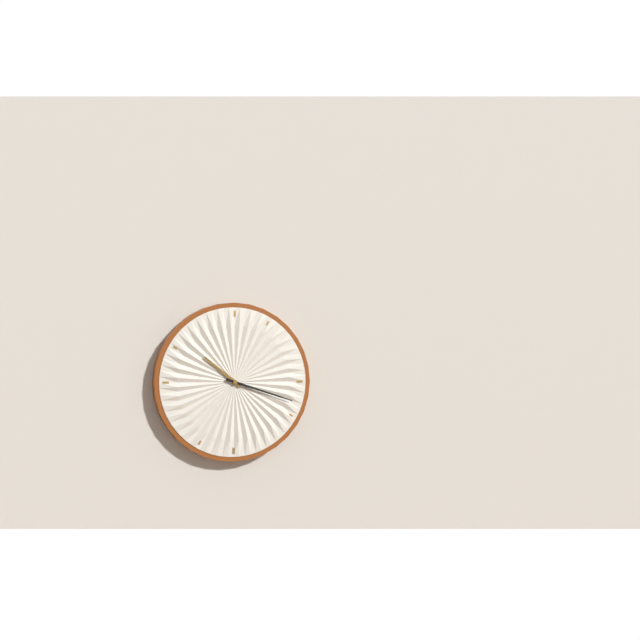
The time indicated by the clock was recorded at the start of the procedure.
10:18
